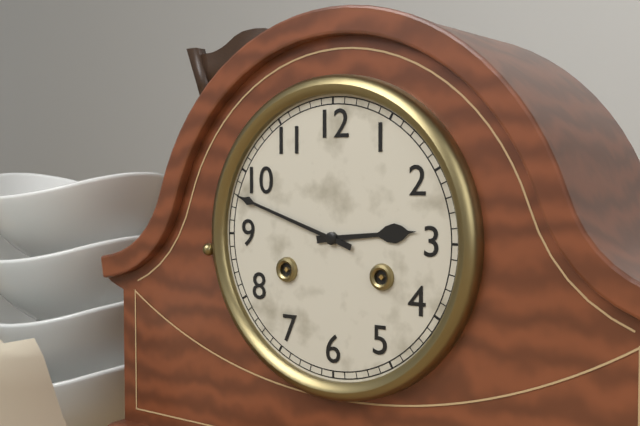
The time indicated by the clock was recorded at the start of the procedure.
2:48
